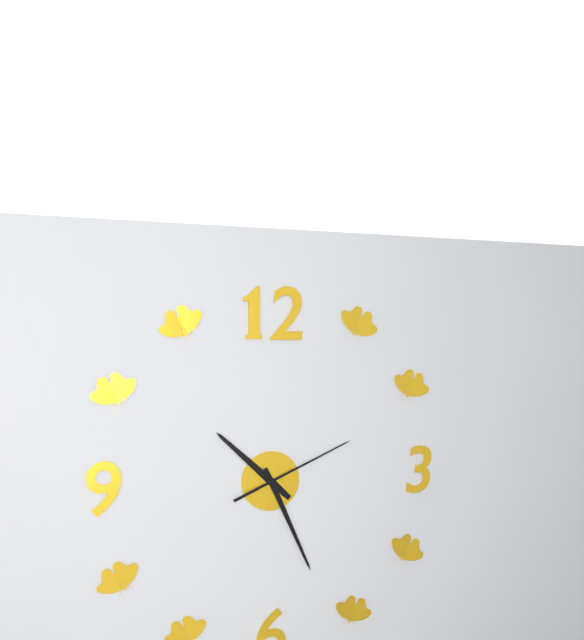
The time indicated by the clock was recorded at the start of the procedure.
10:26:11
